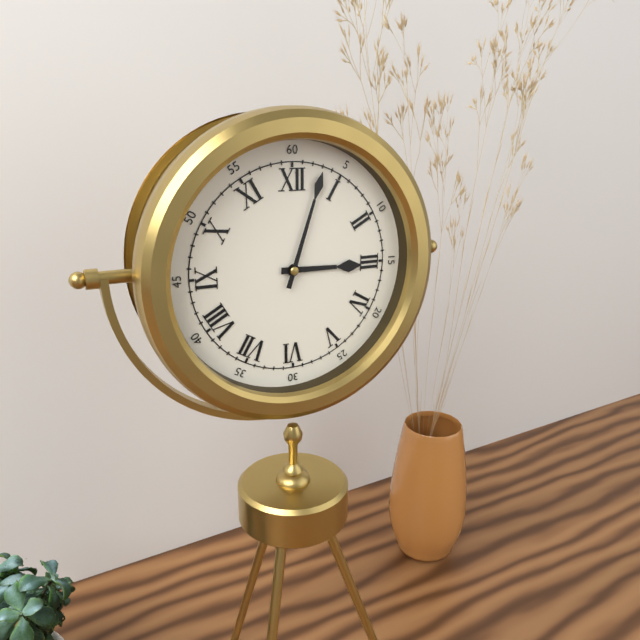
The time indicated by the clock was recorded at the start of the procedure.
3:03
